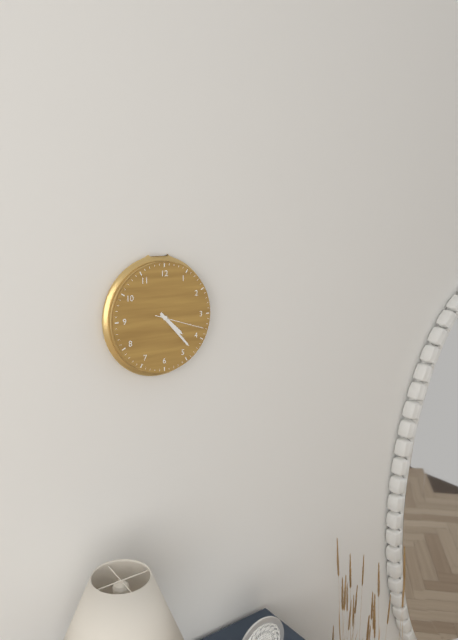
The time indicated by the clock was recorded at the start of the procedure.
4:23
